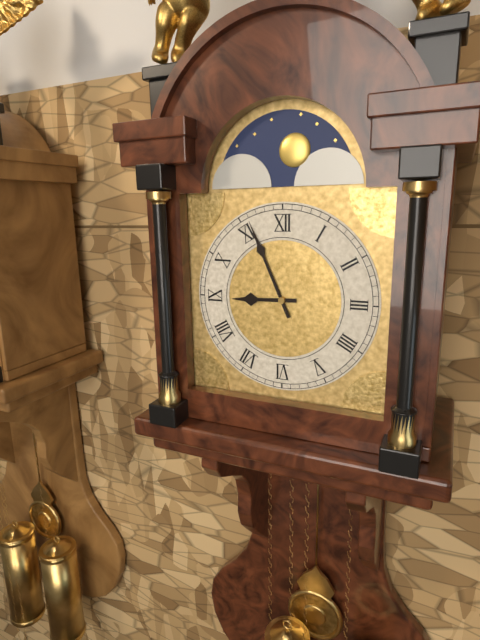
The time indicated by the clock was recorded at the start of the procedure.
8:56
